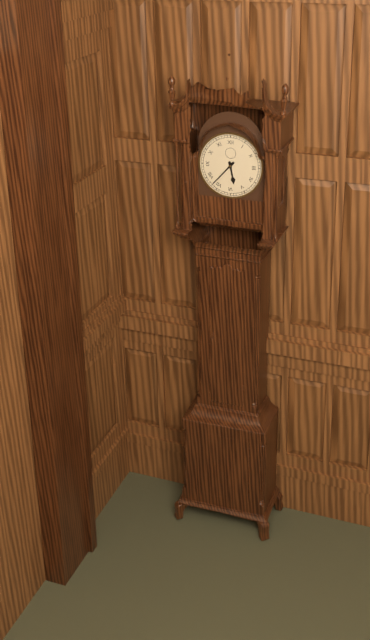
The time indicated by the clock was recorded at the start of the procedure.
5:37
